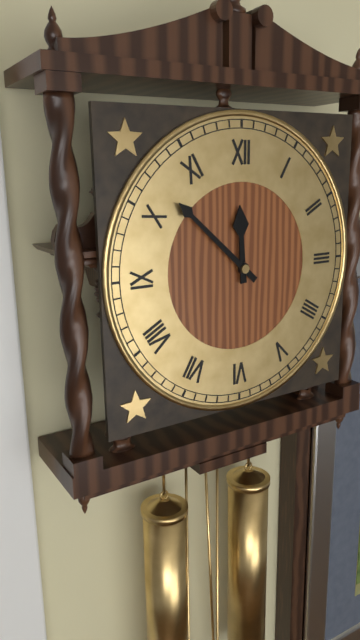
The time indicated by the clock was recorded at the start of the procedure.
11:52
